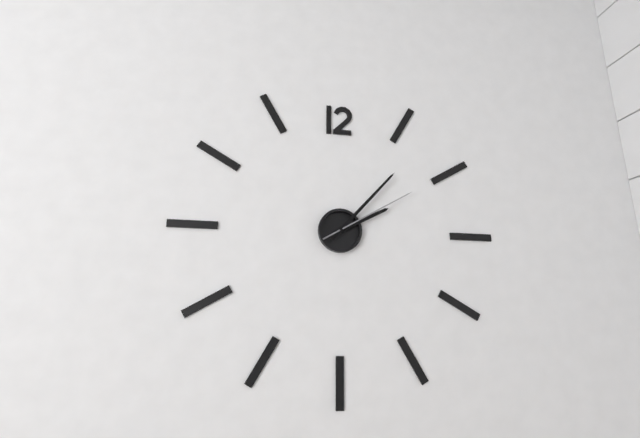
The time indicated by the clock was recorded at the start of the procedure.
2:07:10
